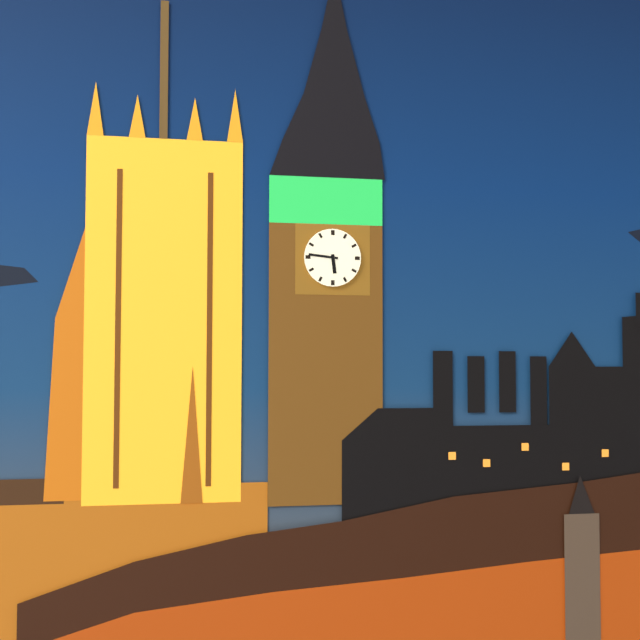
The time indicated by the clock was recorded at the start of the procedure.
5:46
